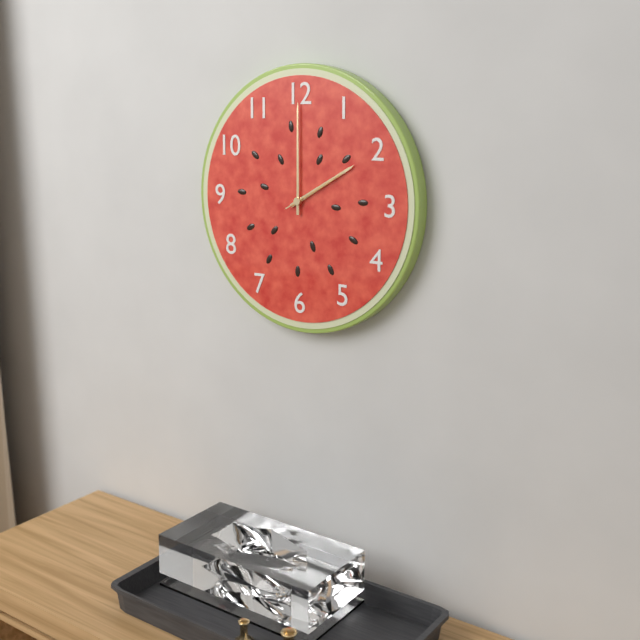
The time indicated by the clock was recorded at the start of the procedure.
2:00:10
